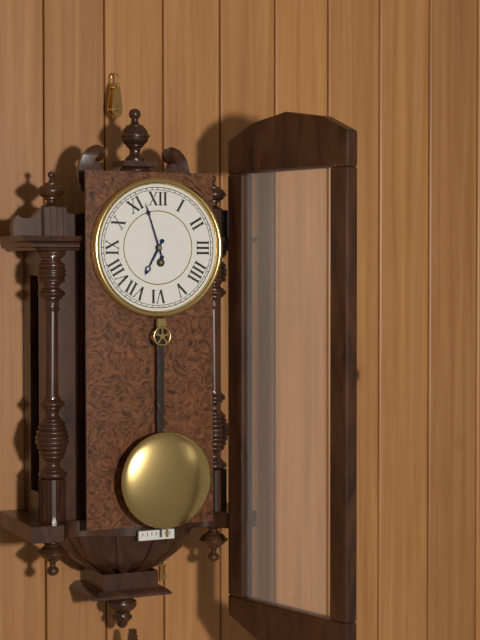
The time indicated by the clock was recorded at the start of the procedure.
6:57
